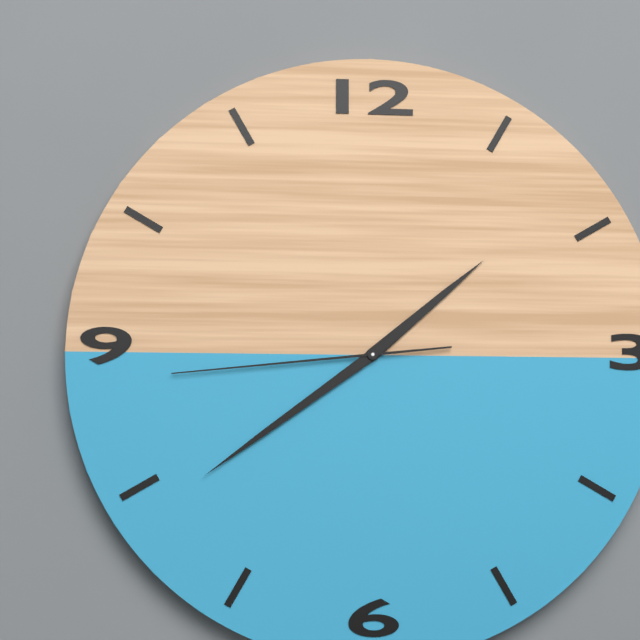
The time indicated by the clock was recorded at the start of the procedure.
1:39:44
